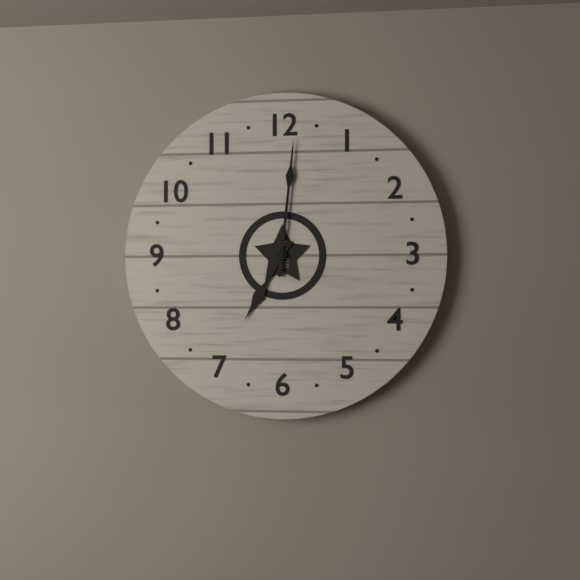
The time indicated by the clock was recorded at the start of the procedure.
7:01
